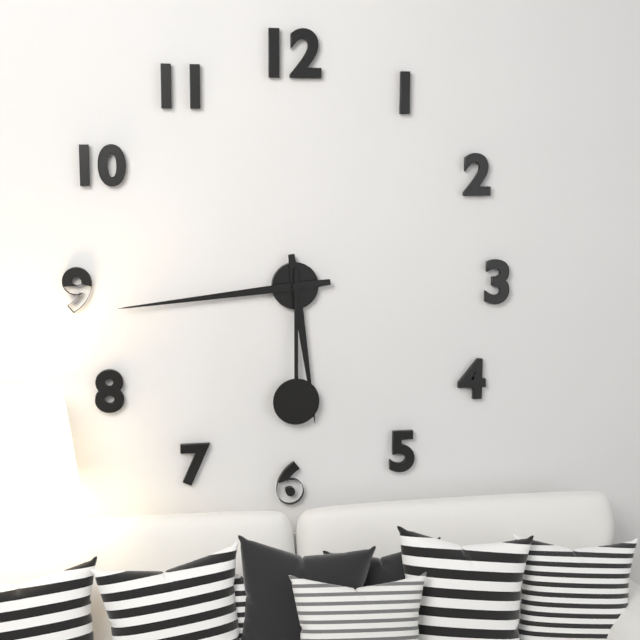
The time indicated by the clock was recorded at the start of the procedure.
5:44:30
